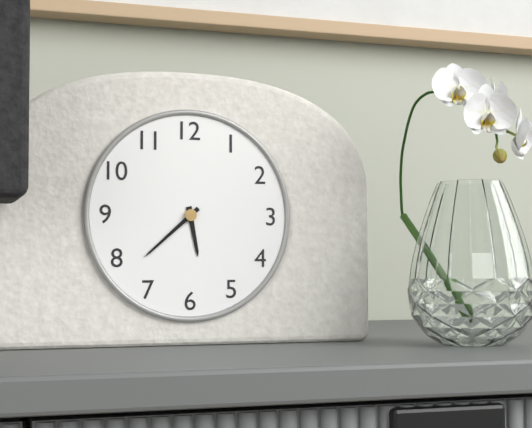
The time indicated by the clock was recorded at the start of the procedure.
5:38
